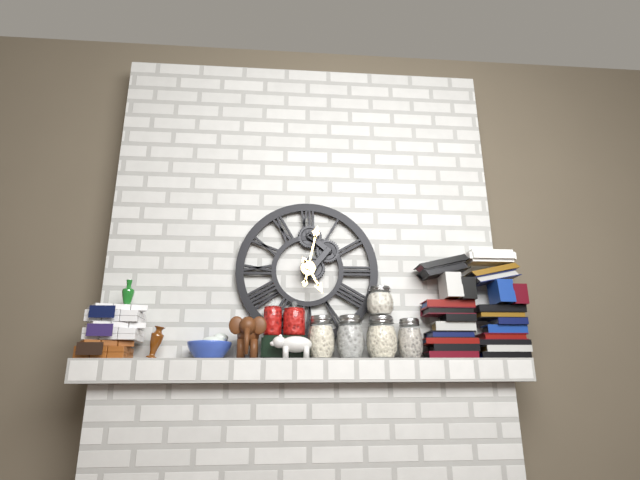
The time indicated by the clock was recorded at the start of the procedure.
5:02
